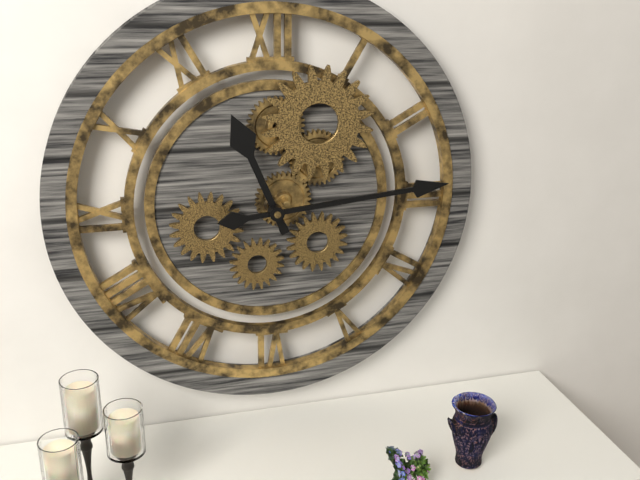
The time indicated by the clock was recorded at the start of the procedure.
11:14
